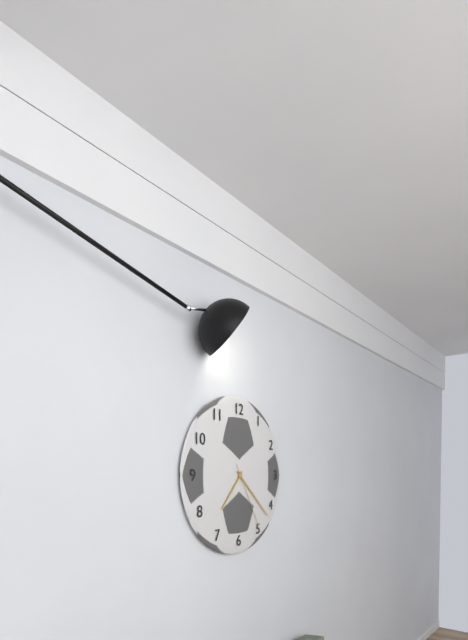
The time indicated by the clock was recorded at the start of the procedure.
7:22:25
